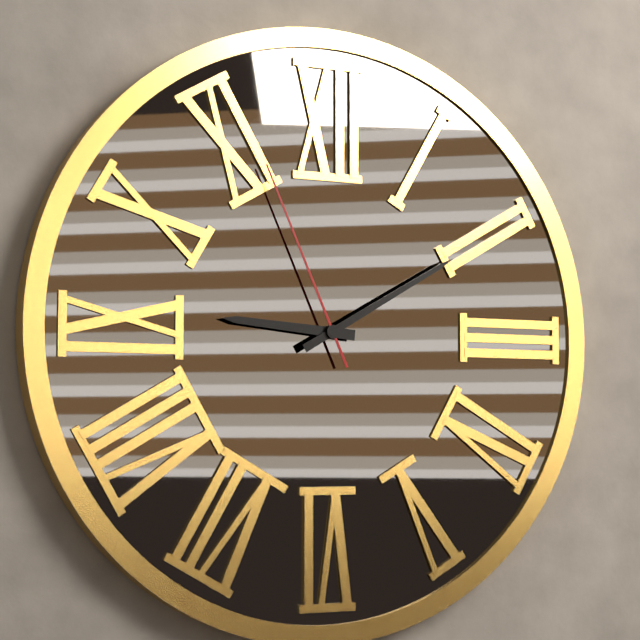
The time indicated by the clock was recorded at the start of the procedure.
9:10:56
